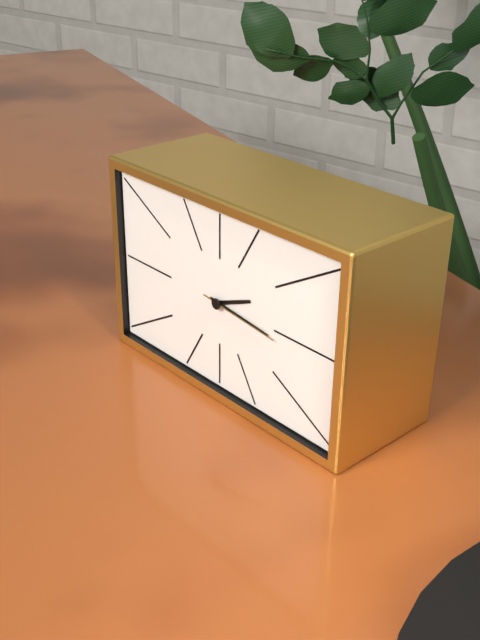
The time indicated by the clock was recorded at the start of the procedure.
2:16:16
